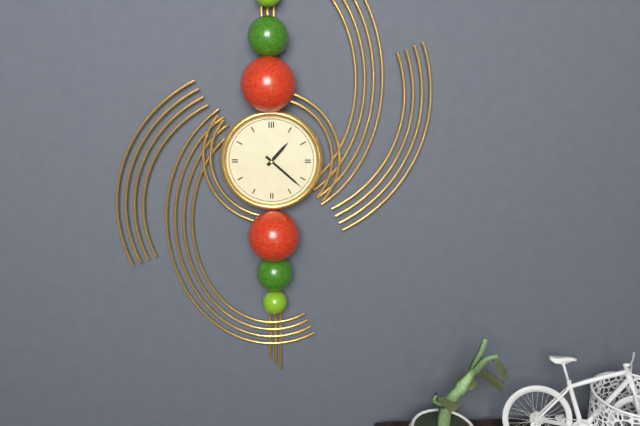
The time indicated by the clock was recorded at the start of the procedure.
1:22
